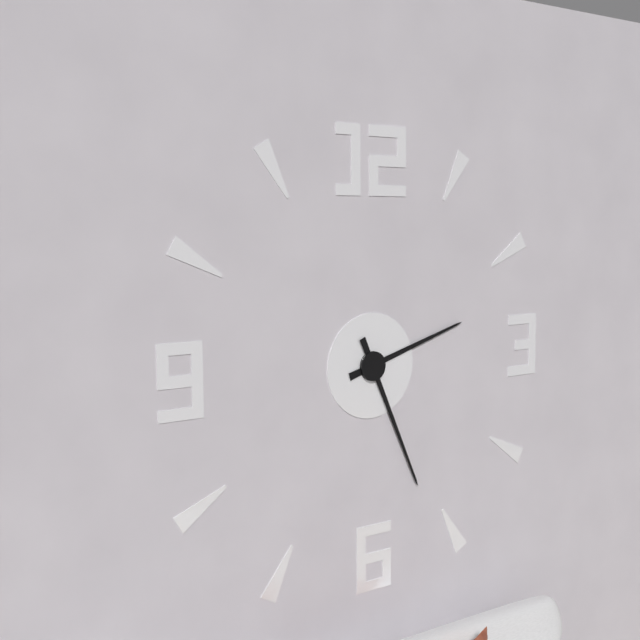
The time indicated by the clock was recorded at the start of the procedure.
2:26
